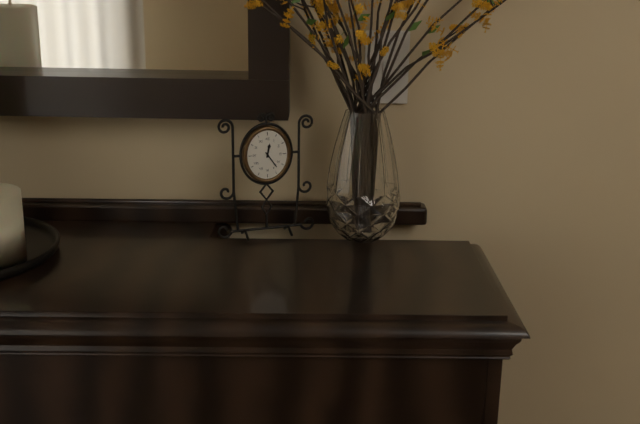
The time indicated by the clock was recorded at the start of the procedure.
12:24
